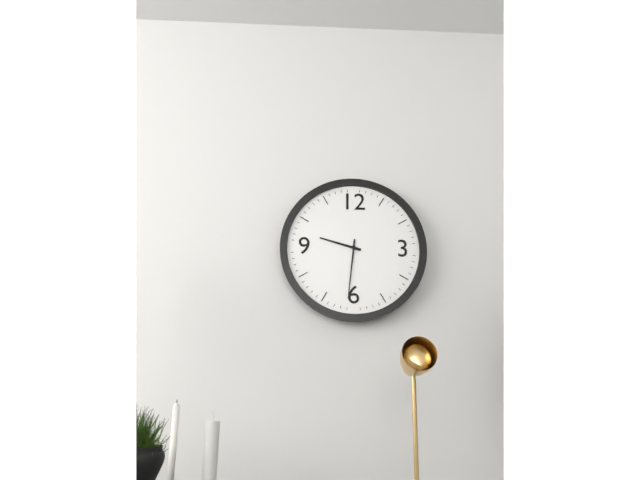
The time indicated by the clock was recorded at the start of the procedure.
9:31
